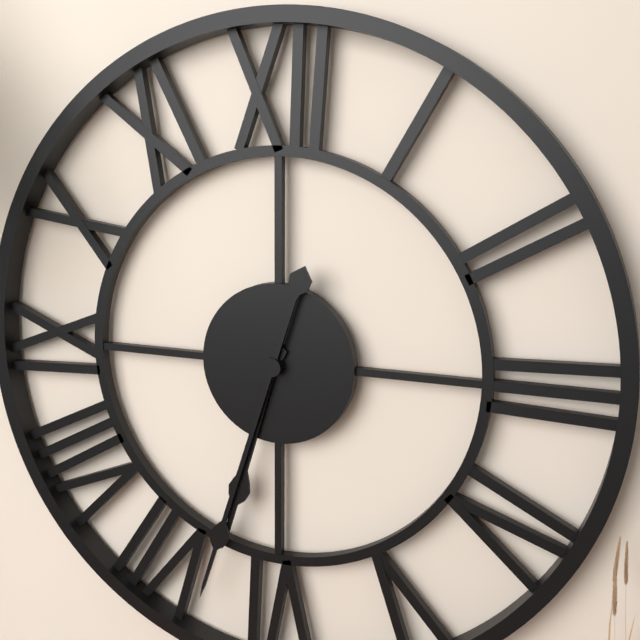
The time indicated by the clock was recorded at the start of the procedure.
6:33
